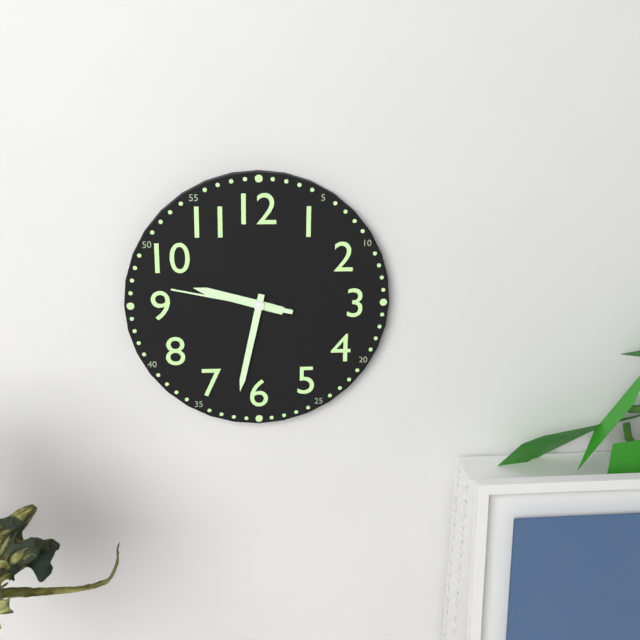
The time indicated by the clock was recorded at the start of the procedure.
9:32:47
